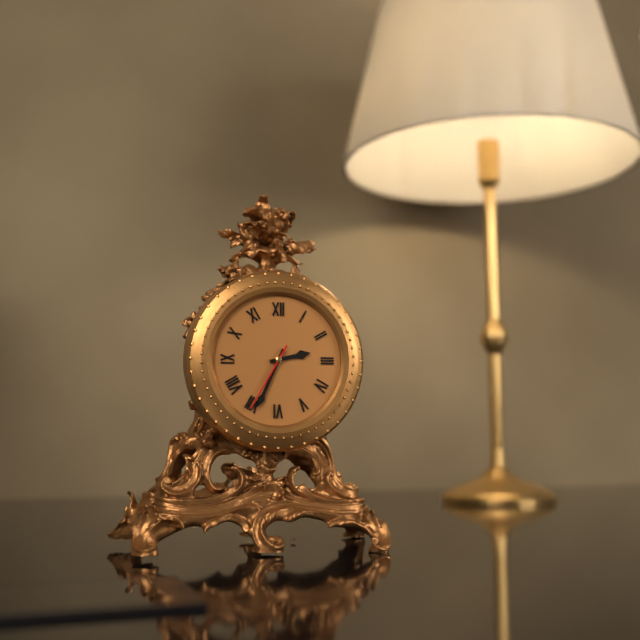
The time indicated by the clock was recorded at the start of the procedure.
2:34:35
